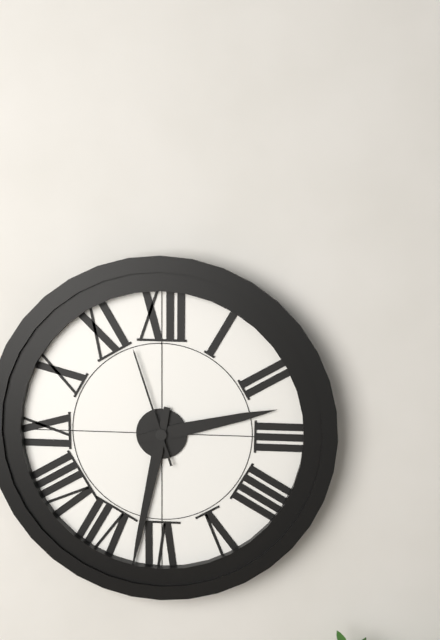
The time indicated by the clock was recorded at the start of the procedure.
2:32:57
